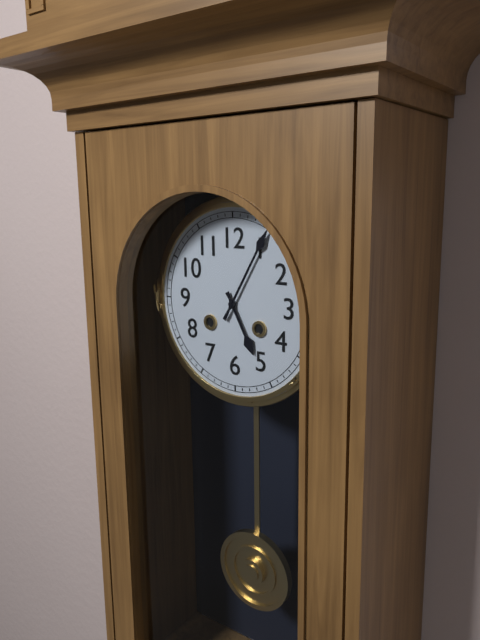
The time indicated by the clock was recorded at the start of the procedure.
5:05
